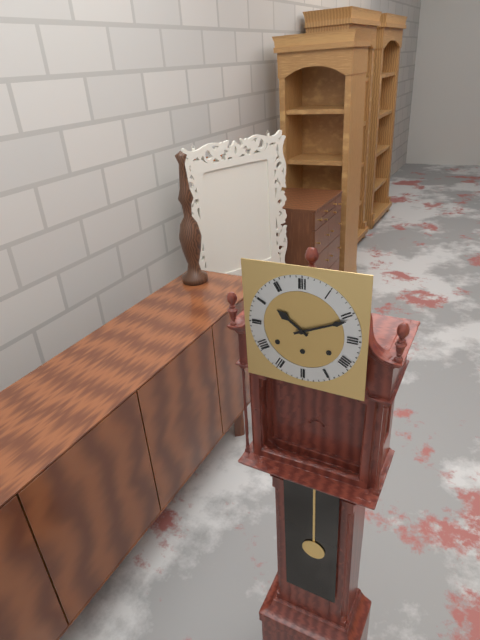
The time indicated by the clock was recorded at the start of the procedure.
10:11
